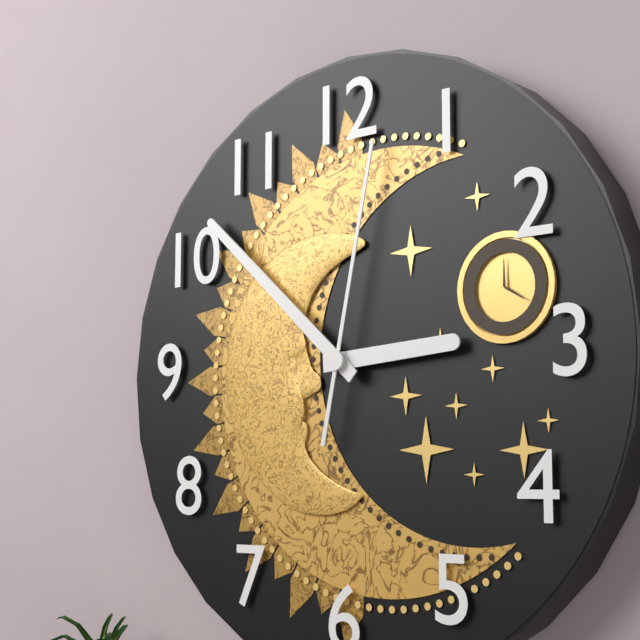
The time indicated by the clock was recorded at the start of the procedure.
2:52:02
